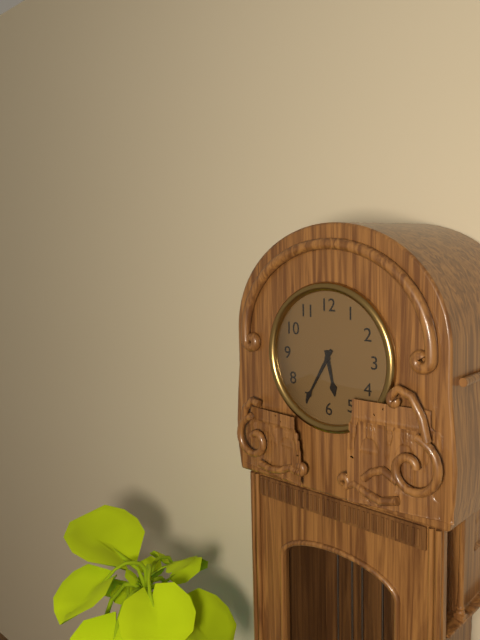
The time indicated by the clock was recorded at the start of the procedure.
5:35
